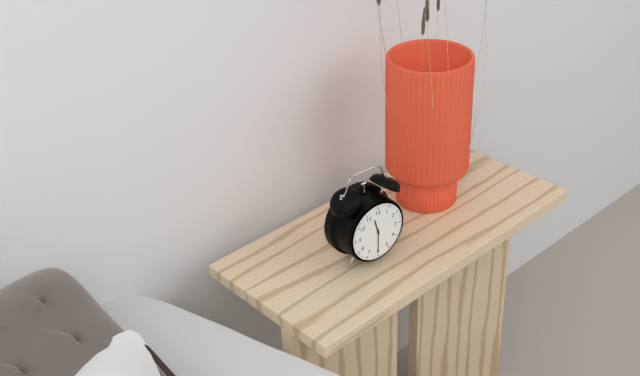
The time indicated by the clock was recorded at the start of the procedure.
11:30
